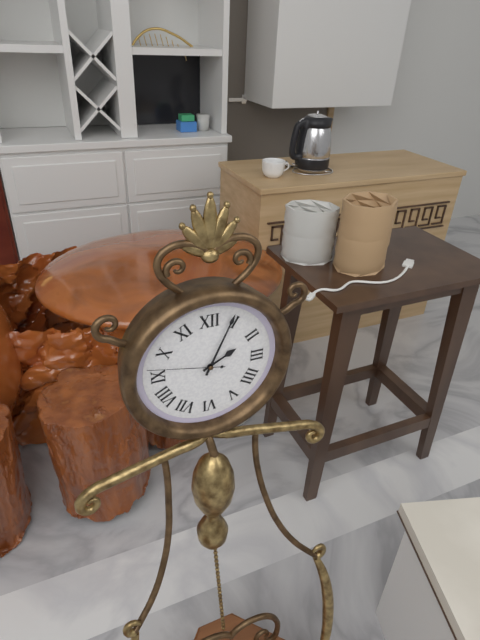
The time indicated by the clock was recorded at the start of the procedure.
2:04:47
